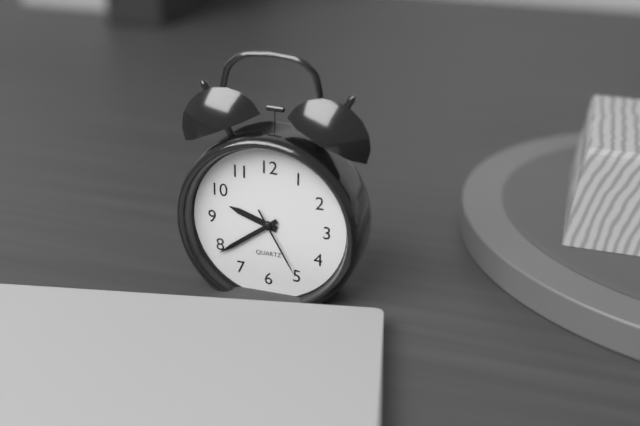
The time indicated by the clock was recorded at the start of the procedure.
9:39:25
